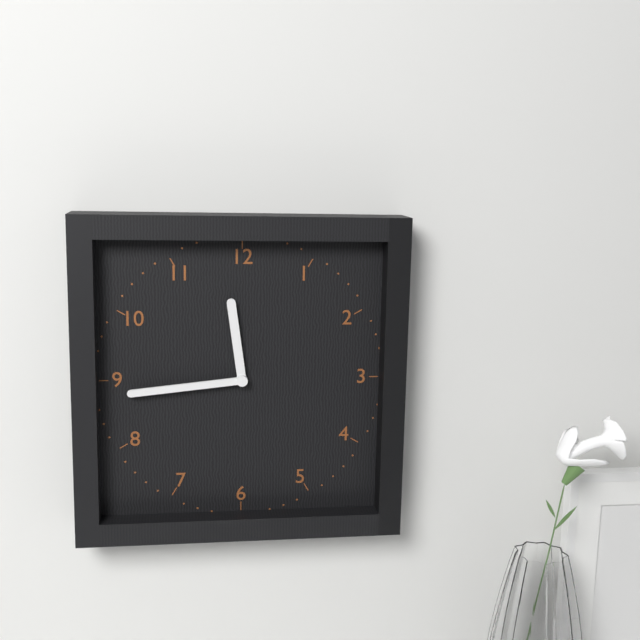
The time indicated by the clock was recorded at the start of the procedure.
11:44
